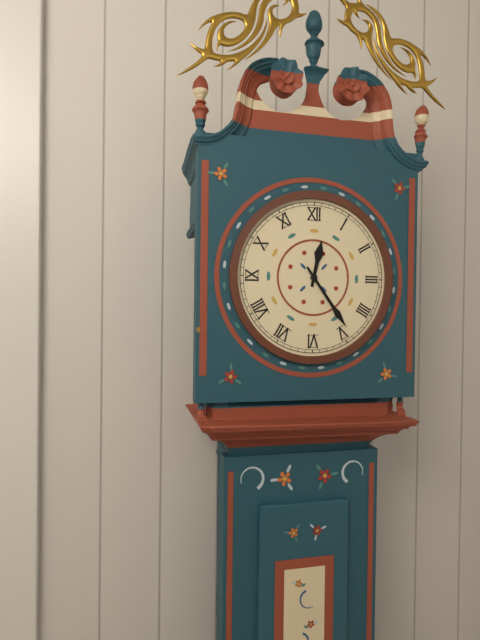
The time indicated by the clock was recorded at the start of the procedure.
12:24
